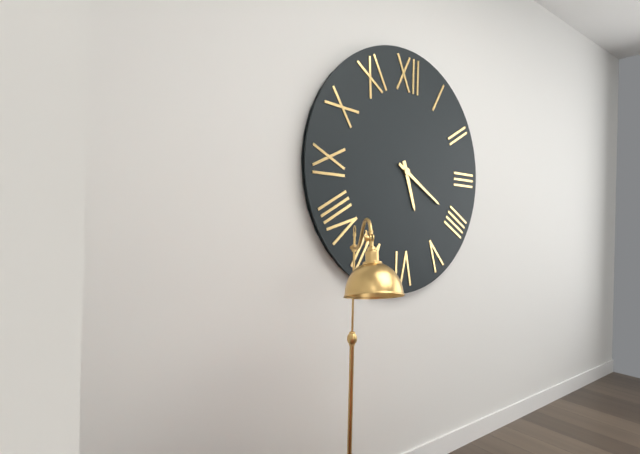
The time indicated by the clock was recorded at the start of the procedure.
5:20
